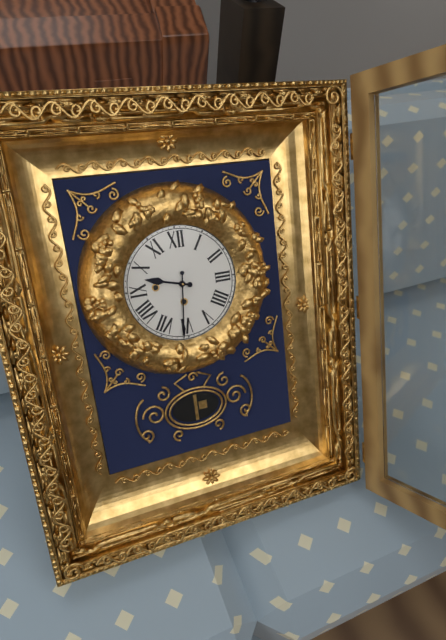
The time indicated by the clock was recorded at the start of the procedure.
9:31
